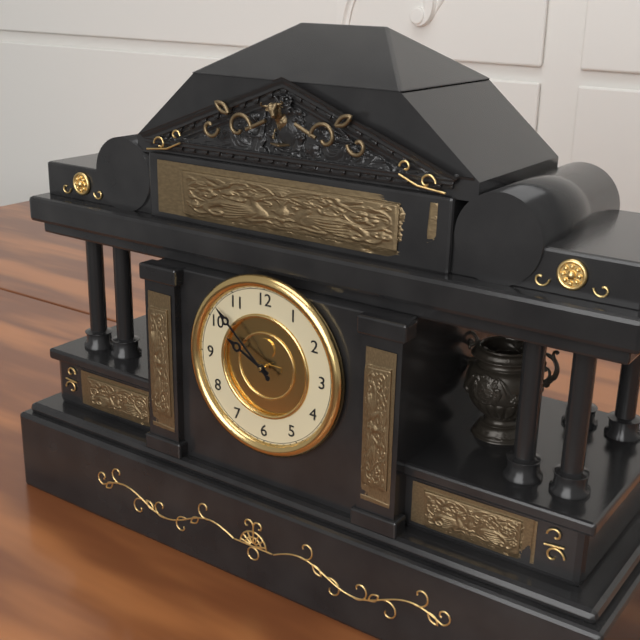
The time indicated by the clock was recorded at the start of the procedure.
9:52
